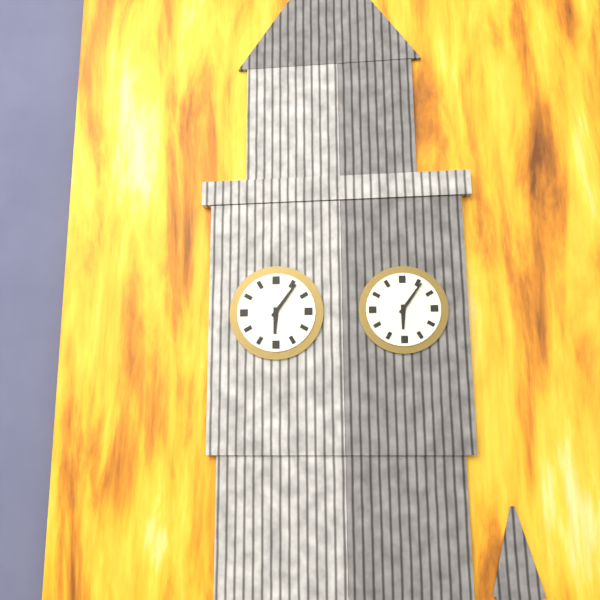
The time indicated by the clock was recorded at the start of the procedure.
6:06
